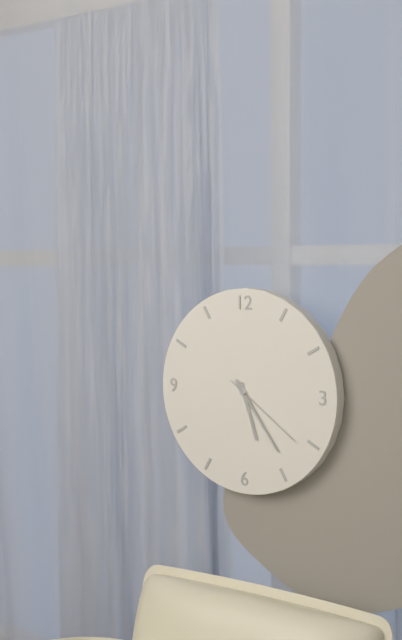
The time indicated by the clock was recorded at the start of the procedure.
5:24:21
